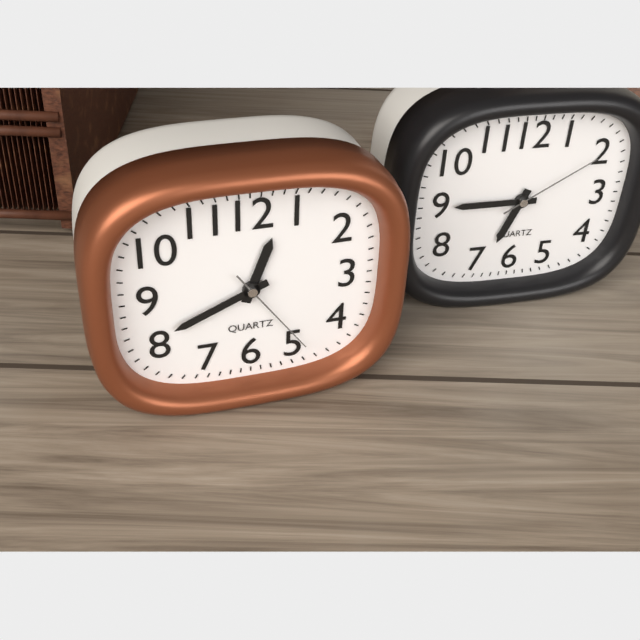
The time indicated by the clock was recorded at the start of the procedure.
12:41:24
